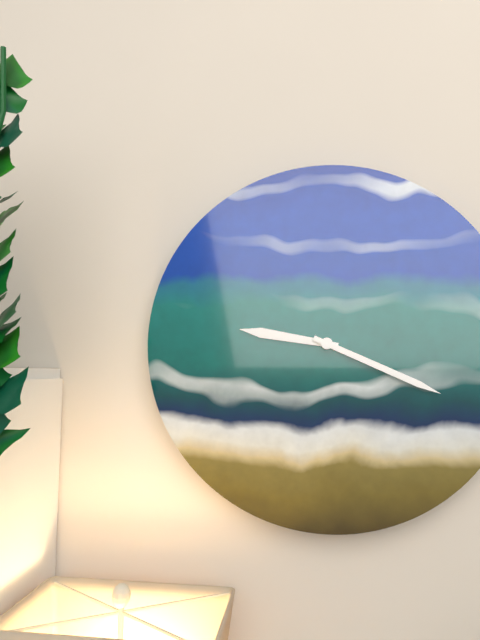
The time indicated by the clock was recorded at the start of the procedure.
9:19
